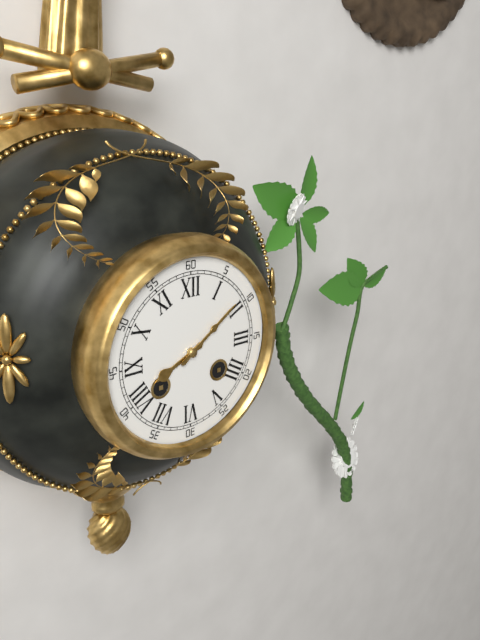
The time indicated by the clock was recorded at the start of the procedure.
8:09
